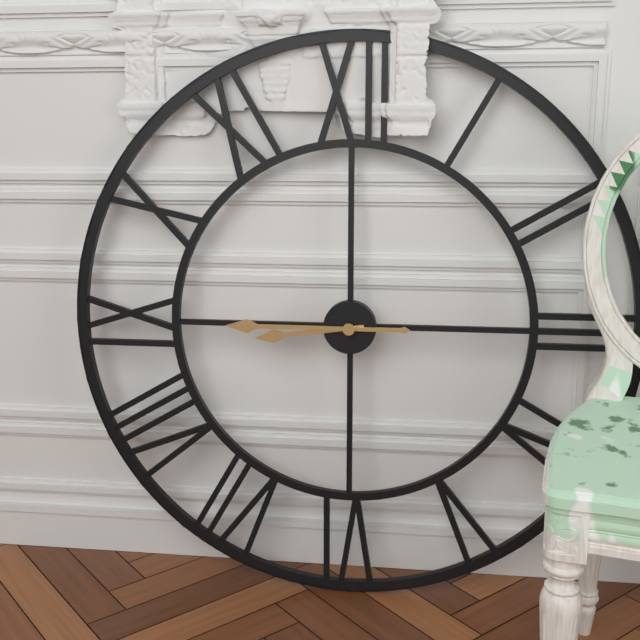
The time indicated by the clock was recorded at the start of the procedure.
8:45
